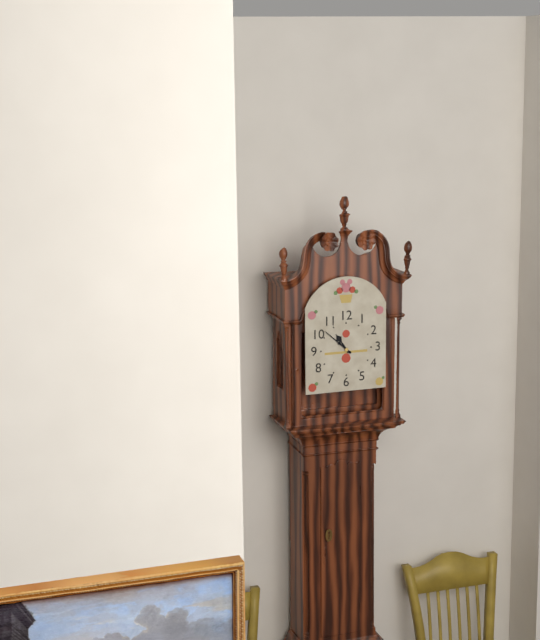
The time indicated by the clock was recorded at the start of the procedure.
10:52
